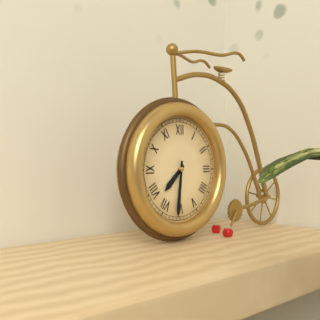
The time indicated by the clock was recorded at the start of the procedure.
7:31
